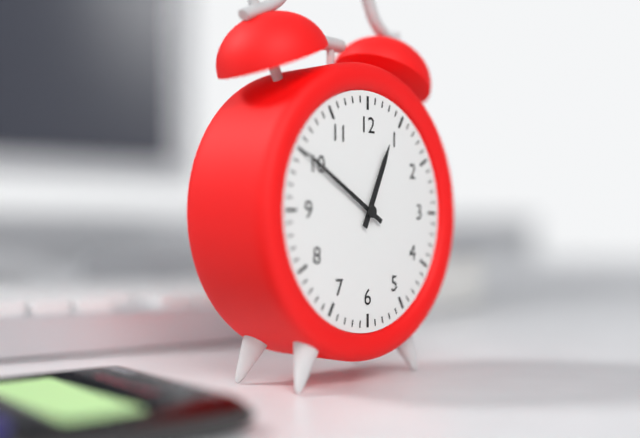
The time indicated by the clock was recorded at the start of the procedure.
12:50
